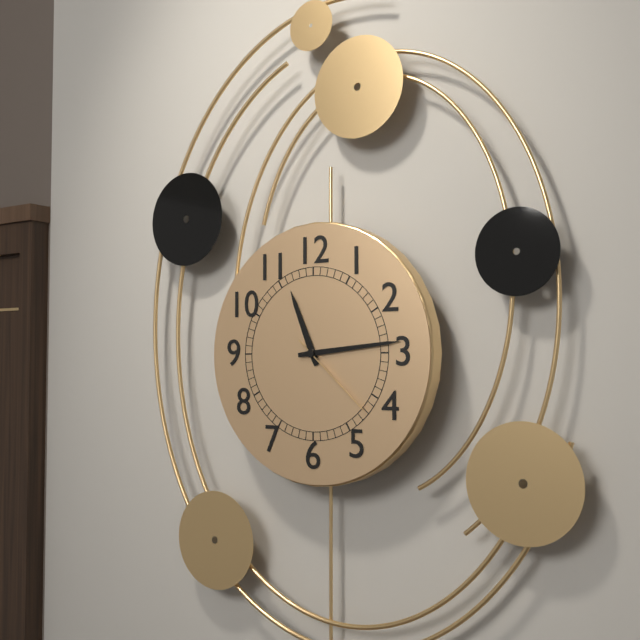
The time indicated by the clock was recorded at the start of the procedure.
11:14:22
